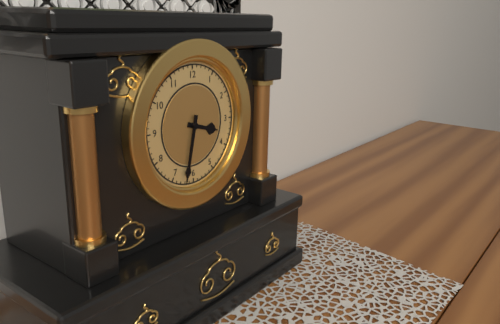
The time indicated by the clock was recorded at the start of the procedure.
3:32
